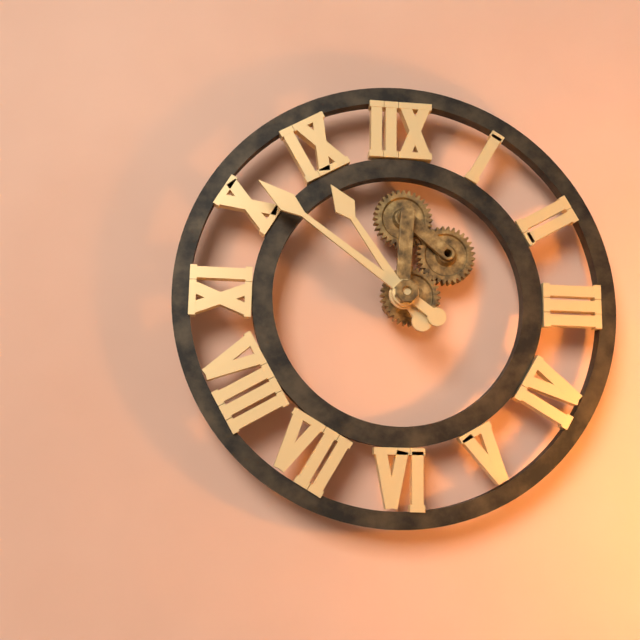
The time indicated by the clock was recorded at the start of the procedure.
10:51
